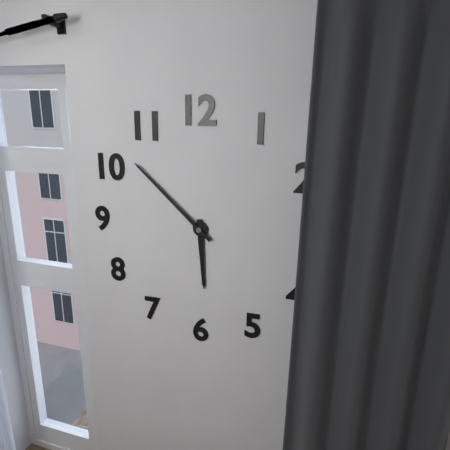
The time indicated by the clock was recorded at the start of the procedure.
5:52
